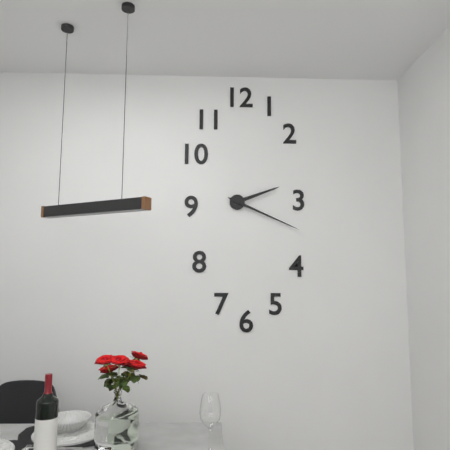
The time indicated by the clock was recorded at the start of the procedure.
2:19
